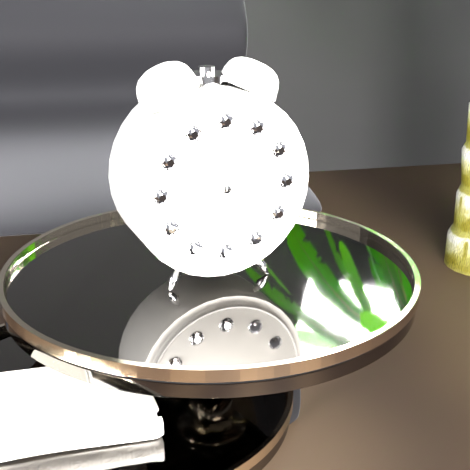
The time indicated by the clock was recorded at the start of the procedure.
8:51:13
